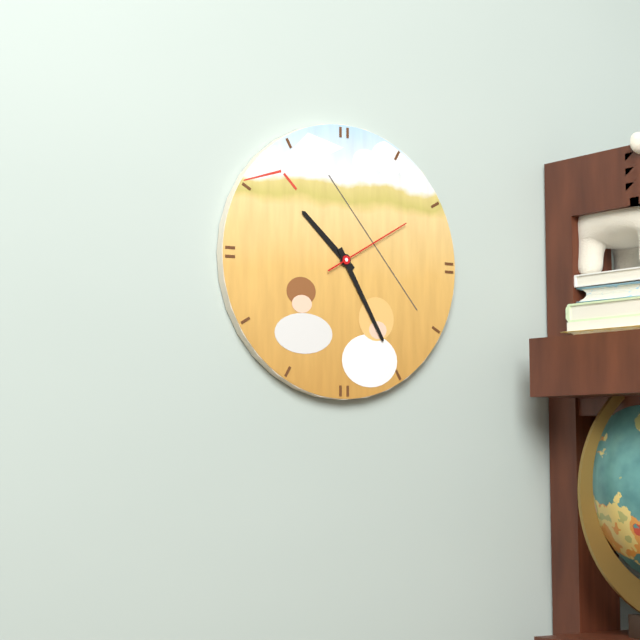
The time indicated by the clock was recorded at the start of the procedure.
10:25:10
